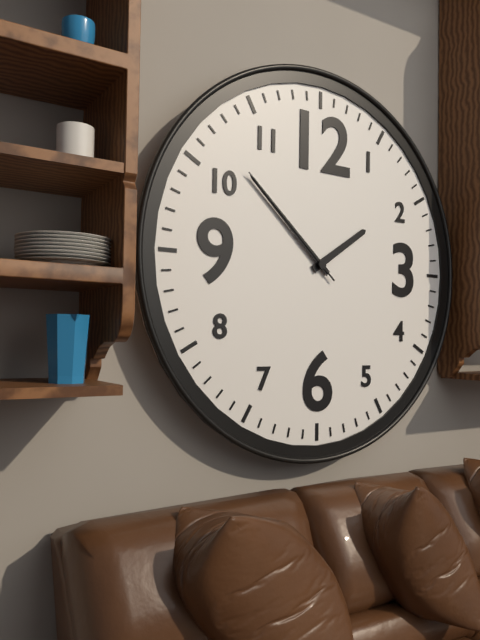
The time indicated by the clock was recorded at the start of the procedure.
1:52:52
